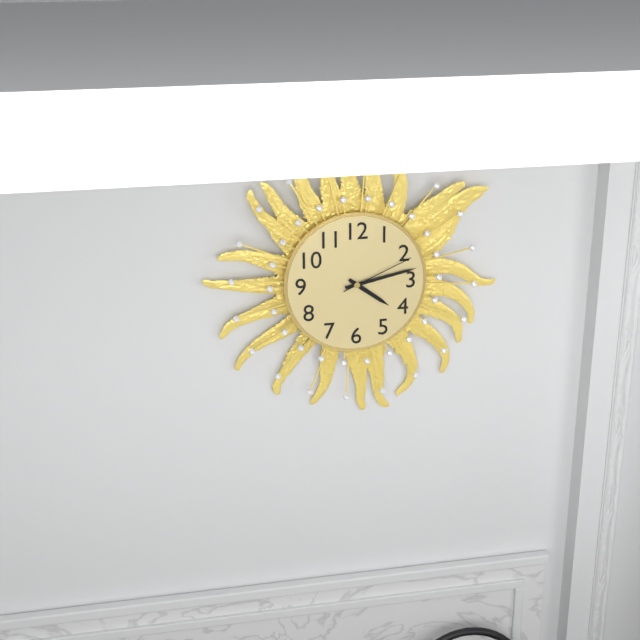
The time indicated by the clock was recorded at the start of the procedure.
4:13:11
